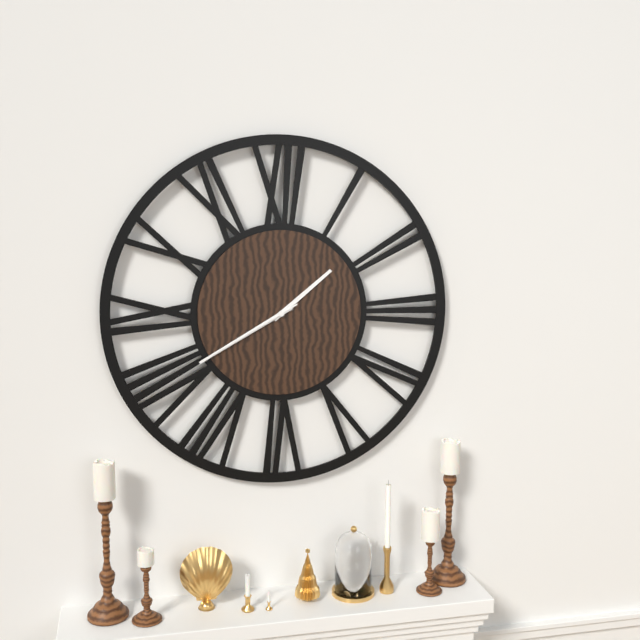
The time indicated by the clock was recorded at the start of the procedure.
1:40:40
